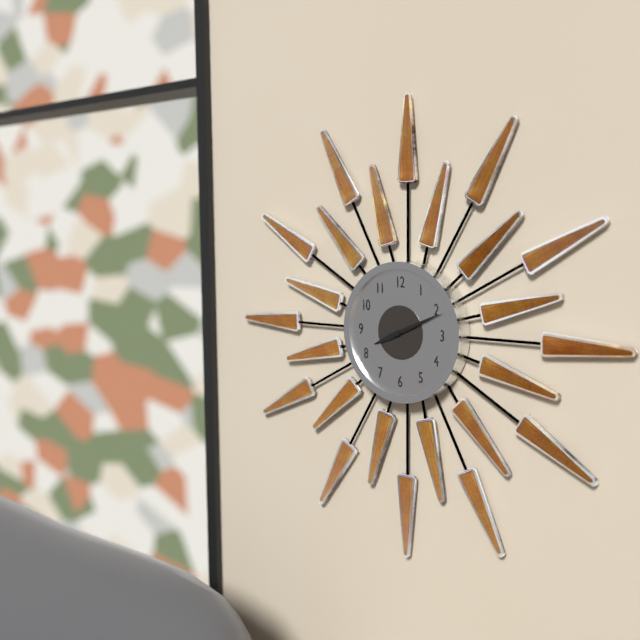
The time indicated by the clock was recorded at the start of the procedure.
8:11
